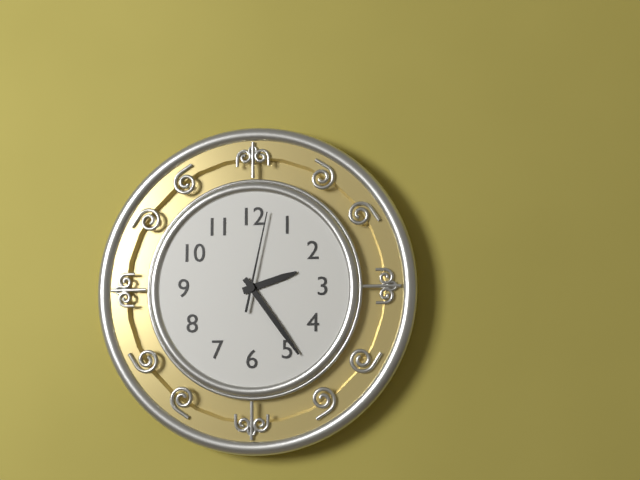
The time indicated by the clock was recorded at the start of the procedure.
2:24:02
